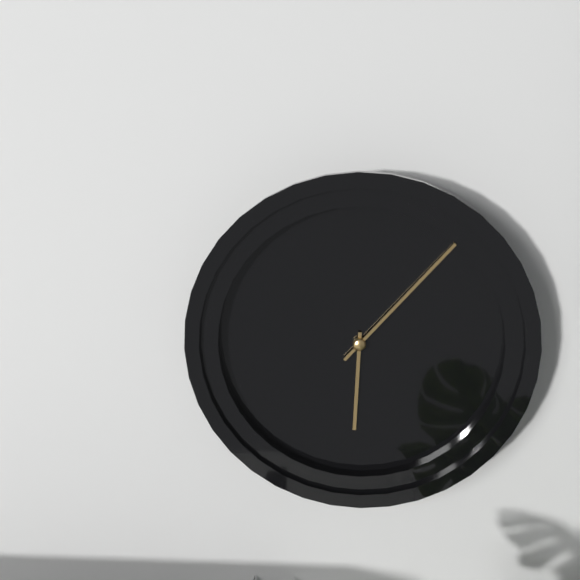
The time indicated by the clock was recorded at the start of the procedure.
6:07
